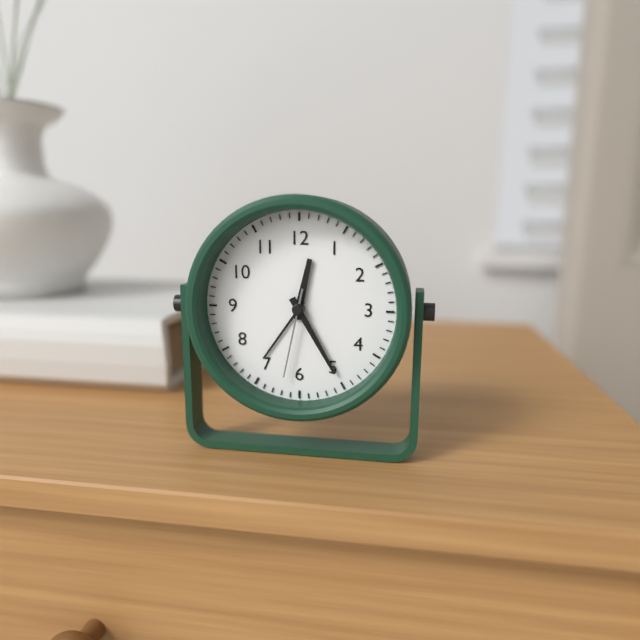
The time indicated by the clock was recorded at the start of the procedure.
12:25:32
